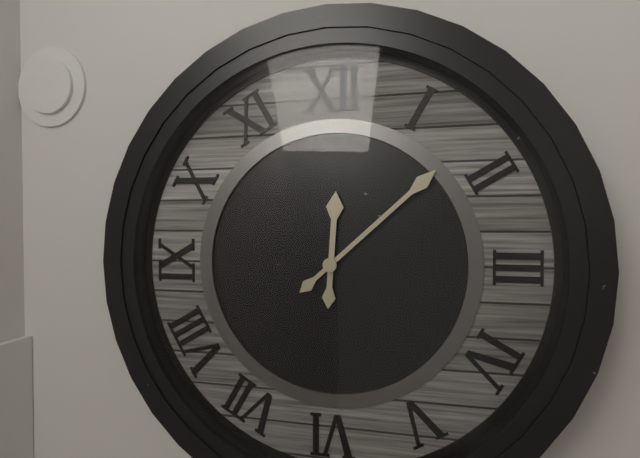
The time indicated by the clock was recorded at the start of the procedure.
12:08
